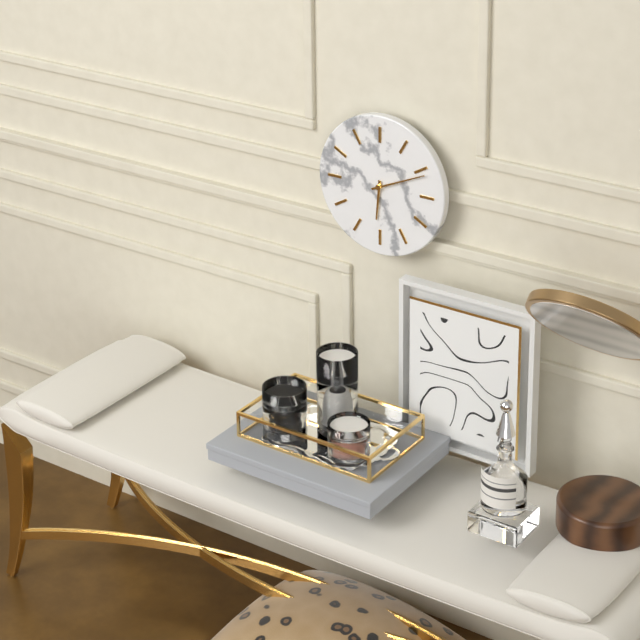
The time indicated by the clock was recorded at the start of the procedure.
6:11
